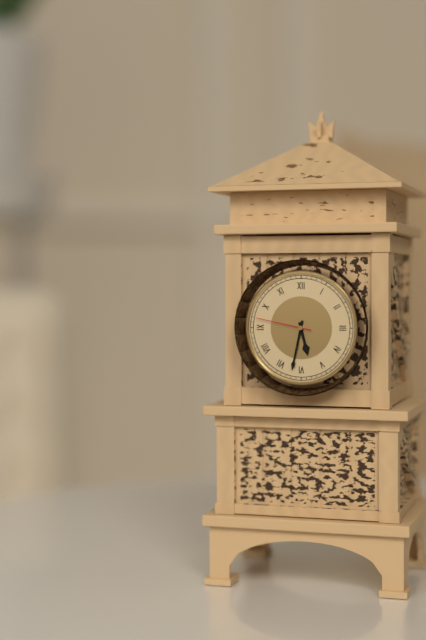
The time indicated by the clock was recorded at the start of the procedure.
5:32:47
